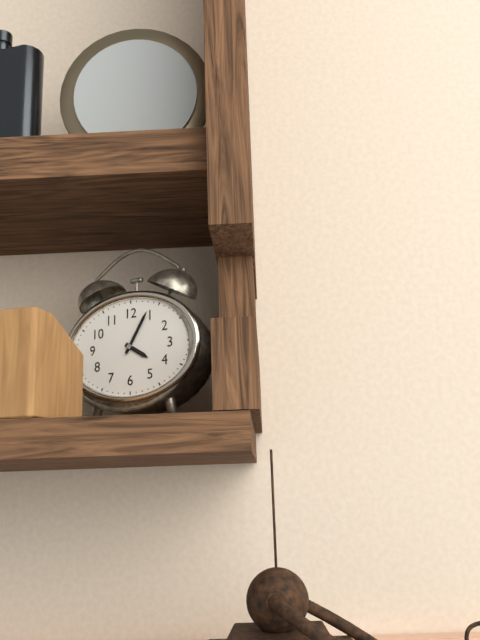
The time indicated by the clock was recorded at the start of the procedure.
4:05
